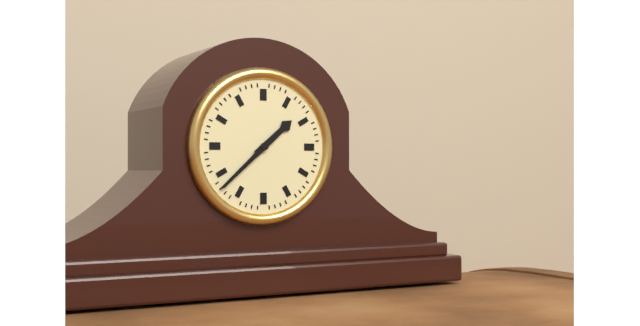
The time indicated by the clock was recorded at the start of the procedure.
1:38
